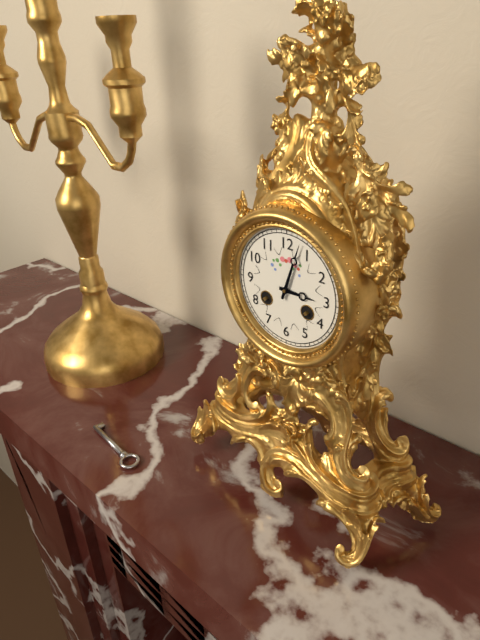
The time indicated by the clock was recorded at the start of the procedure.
3:03
